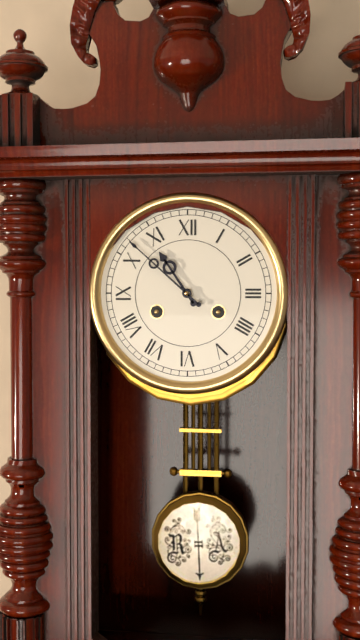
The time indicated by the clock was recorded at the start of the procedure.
10:52
